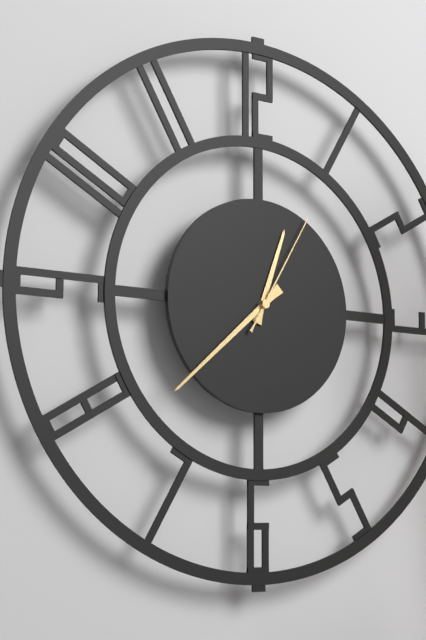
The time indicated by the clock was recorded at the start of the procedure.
12:38:05
